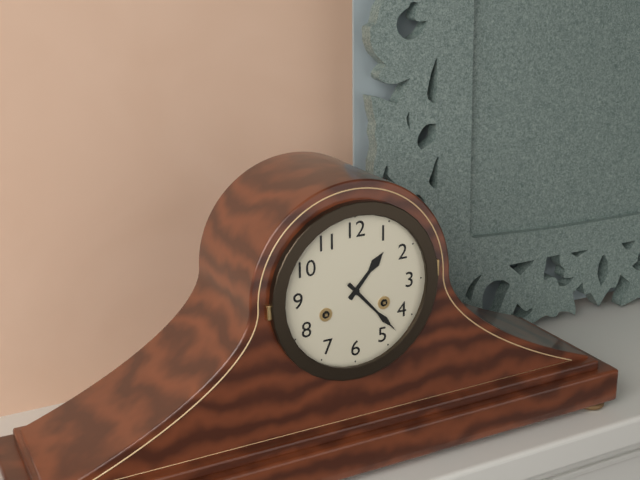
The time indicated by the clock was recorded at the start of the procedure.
1:23
